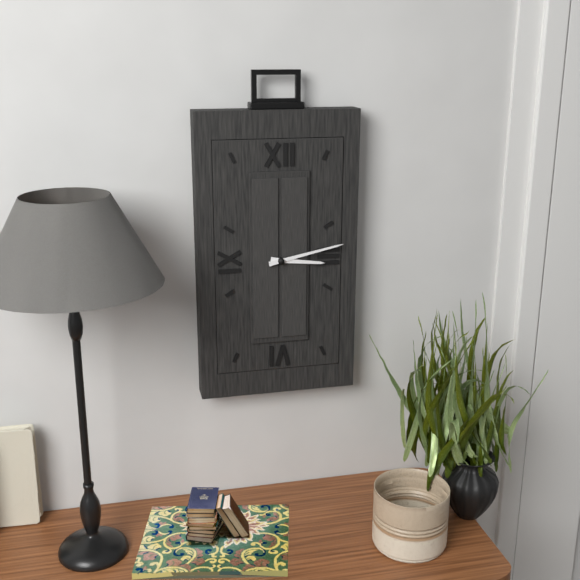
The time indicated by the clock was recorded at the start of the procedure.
3:13
